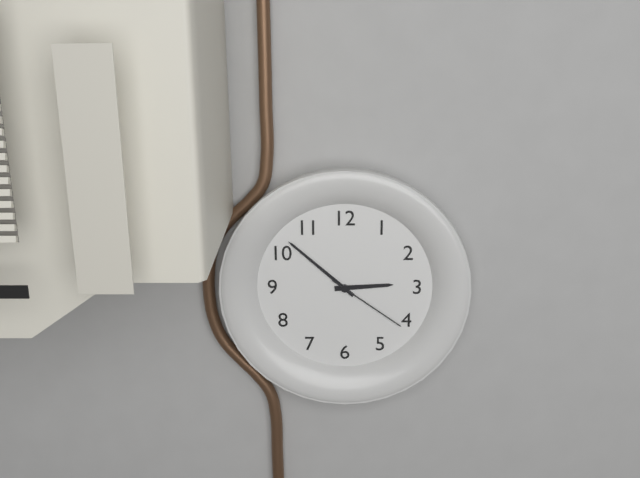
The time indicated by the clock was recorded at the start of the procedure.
2:52:21
